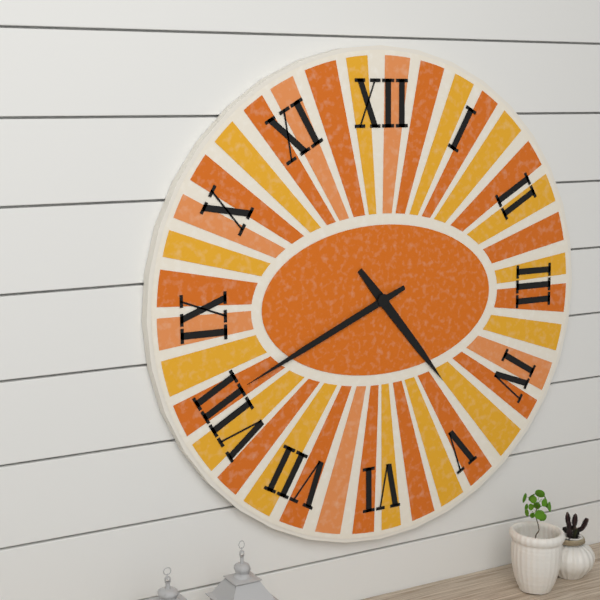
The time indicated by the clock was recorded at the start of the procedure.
4:41
